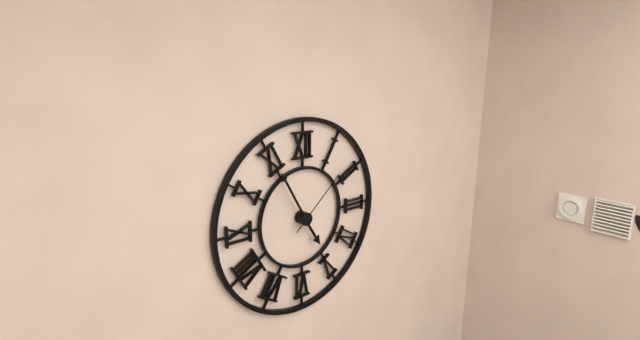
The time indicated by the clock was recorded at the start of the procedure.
4:55:08
